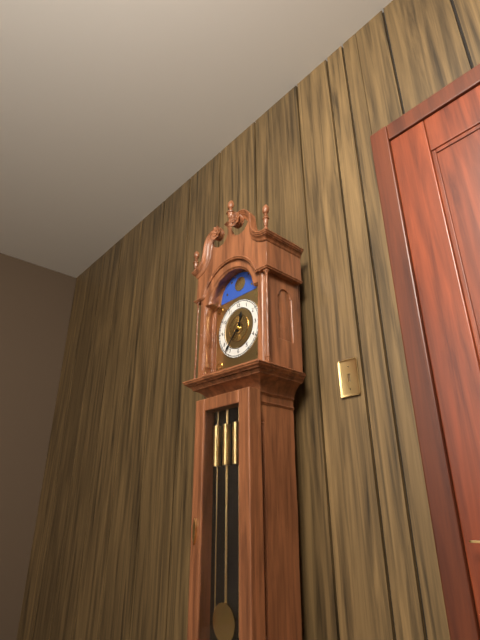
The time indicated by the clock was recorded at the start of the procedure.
12:37
